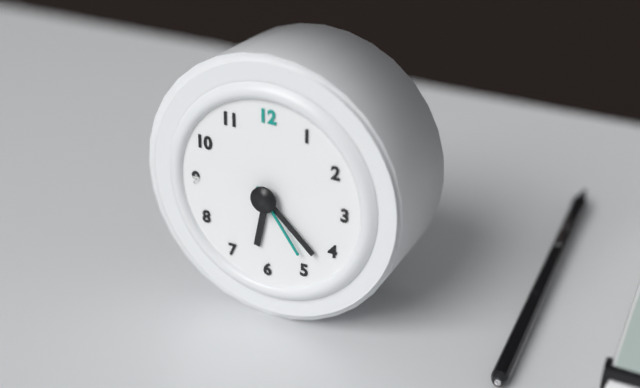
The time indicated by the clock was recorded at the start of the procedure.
6:22:24
